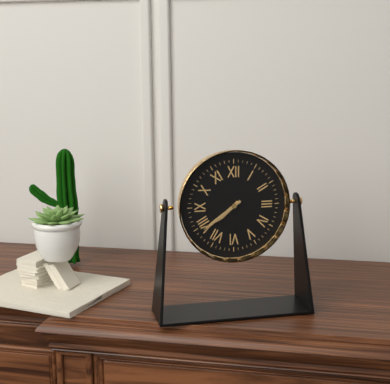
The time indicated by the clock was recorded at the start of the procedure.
7:39
